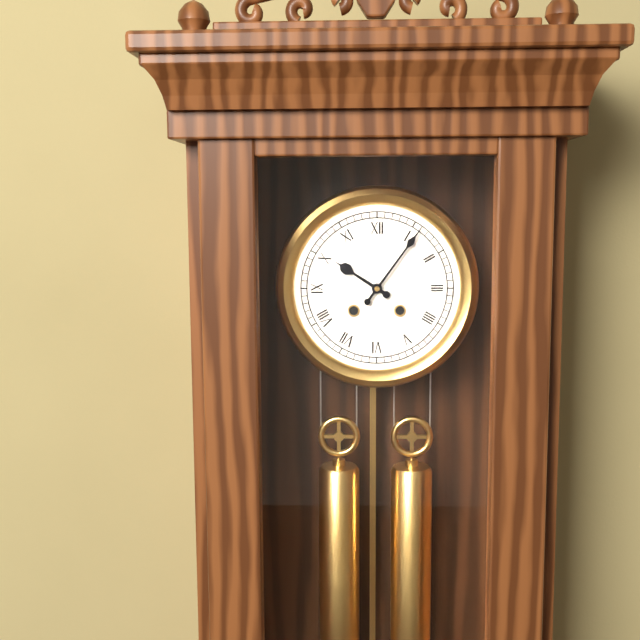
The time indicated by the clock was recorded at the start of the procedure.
10:06
